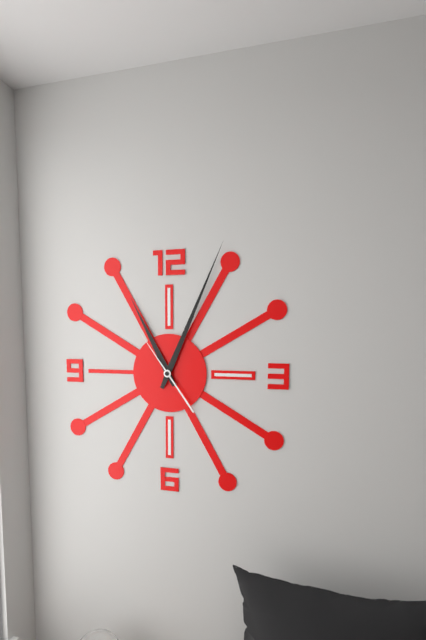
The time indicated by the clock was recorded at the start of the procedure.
11:04:54
